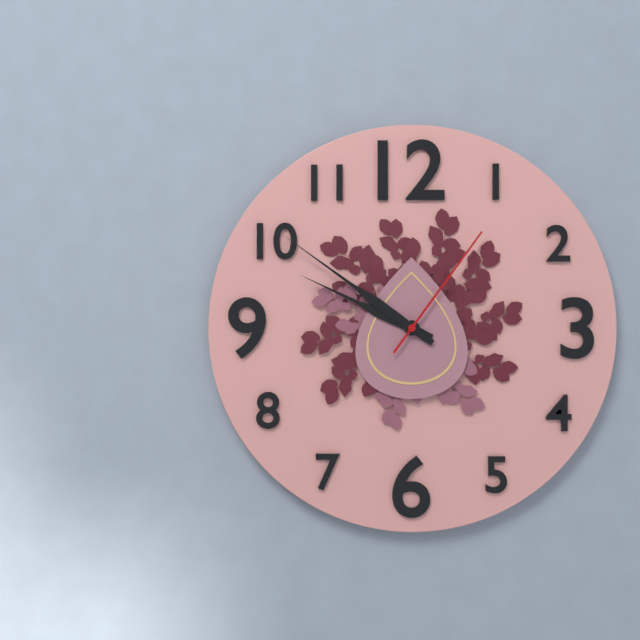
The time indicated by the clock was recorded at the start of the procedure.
9:51:06
